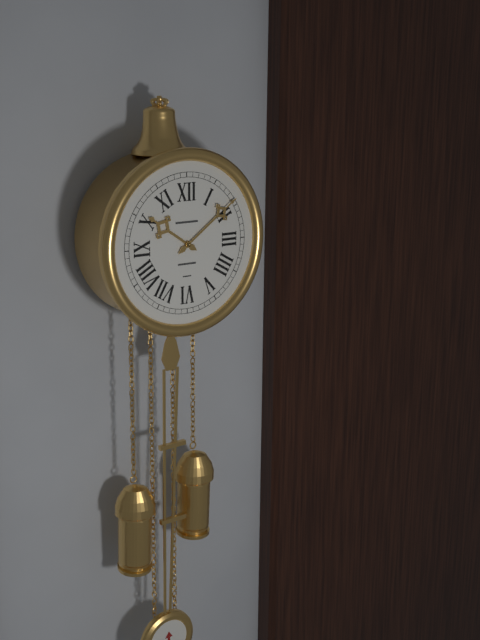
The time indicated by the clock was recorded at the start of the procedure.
10:09
